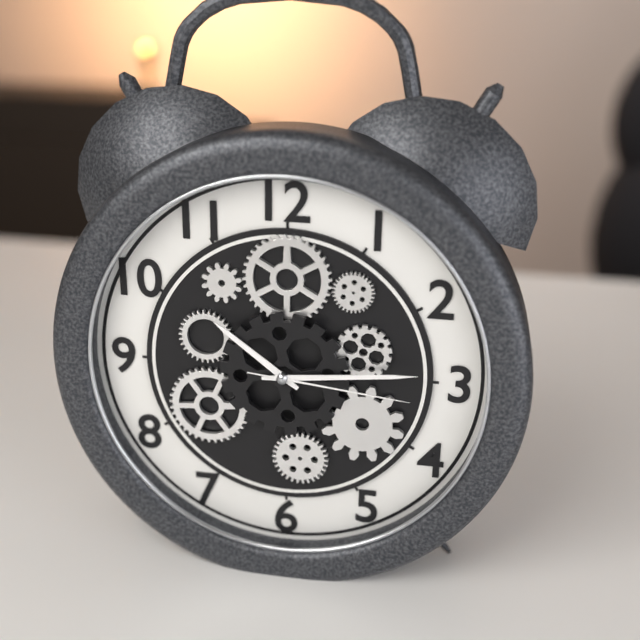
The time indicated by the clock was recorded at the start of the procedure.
10:14:16
